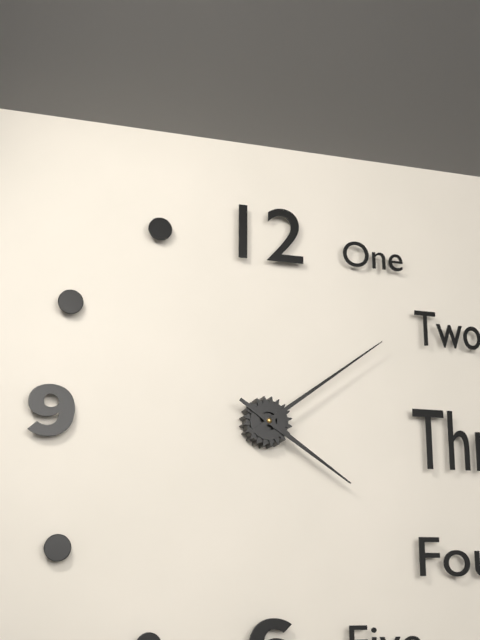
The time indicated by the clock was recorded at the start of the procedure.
4:09
